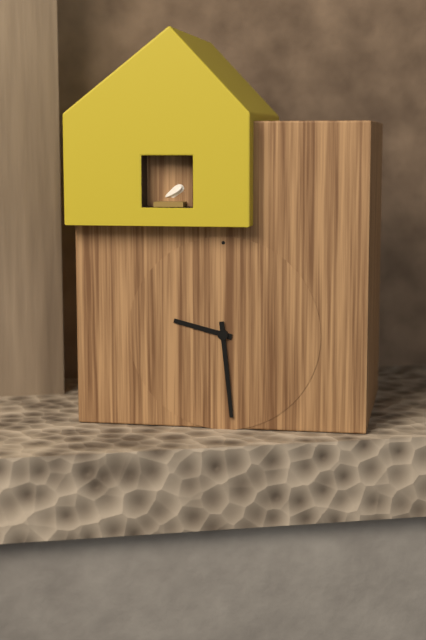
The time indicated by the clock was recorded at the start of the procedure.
9:29
